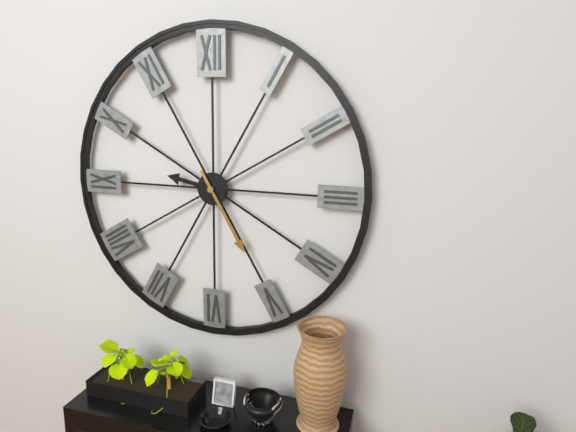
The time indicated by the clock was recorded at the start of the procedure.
9:25
